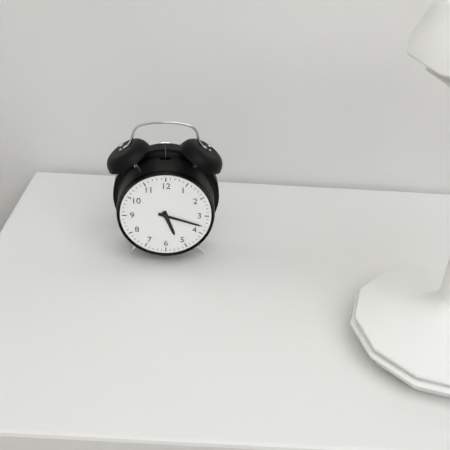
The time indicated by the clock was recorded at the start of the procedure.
5:18
